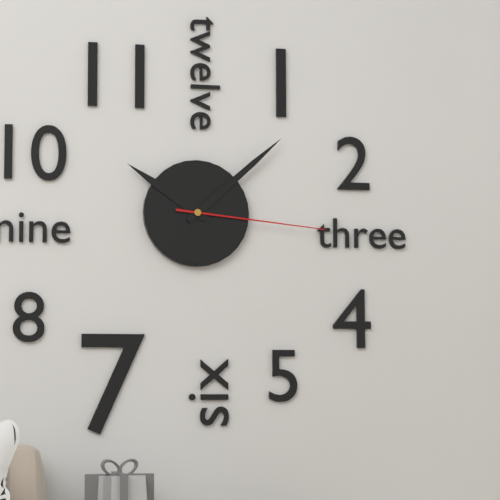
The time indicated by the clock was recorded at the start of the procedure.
10:08:16
